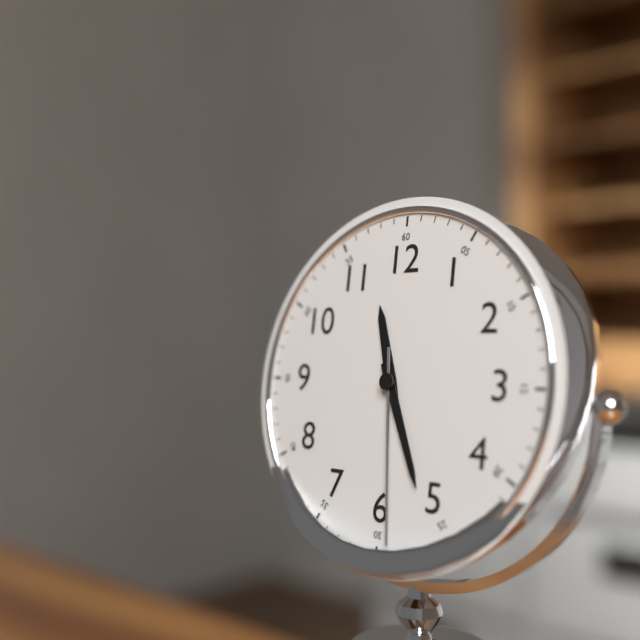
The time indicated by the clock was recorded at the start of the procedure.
11:26:29
